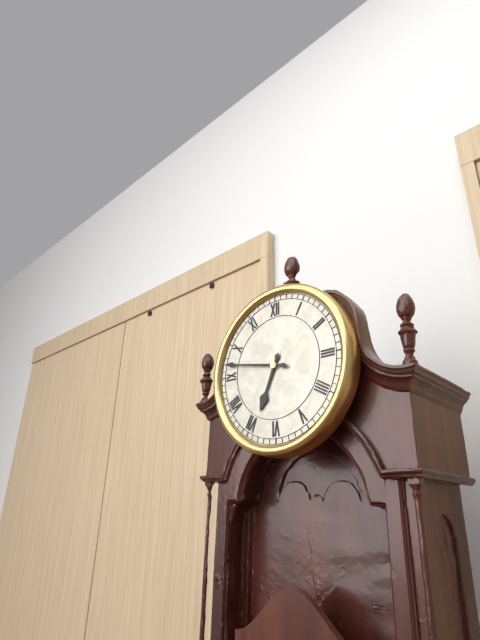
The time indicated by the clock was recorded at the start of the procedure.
6:47
